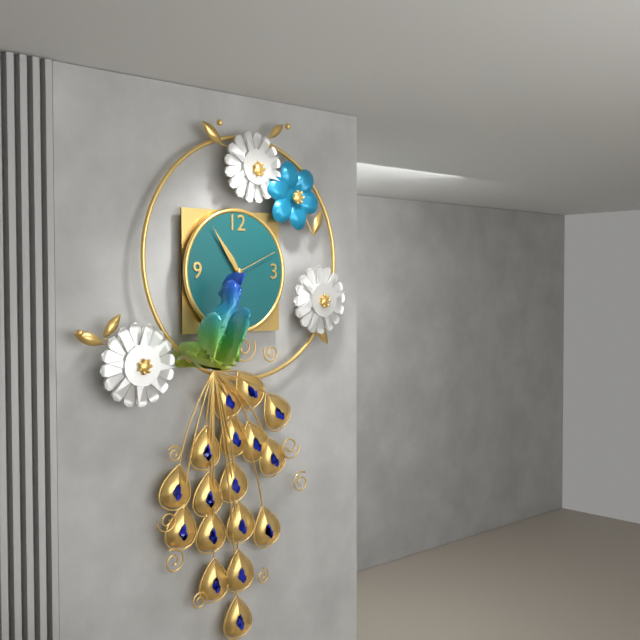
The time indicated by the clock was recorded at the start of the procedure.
10:54:11
